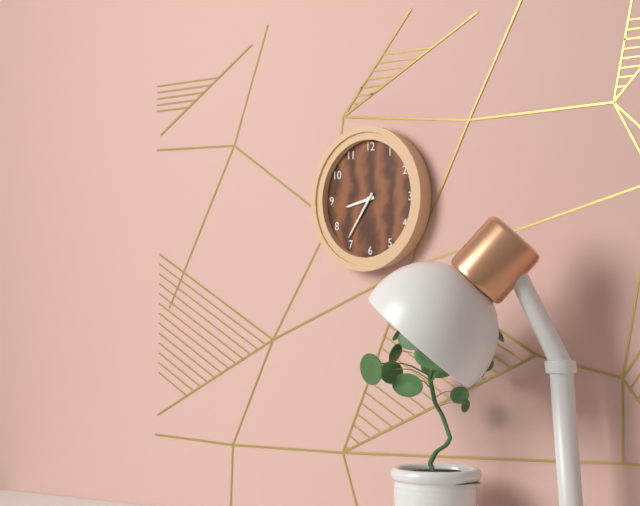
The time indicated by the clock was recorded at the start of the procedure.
8:36
